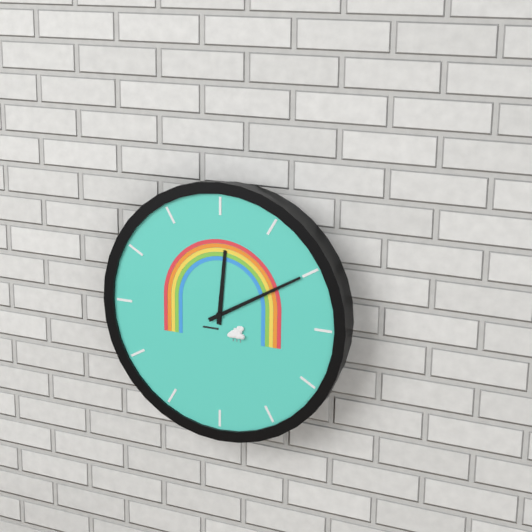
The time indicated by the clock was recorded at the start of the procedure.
12:10
